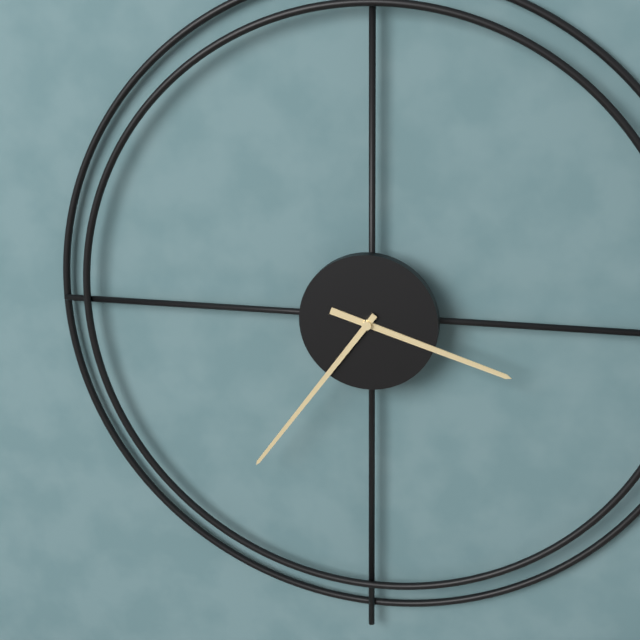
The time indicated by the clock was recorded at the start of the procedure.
3:36
